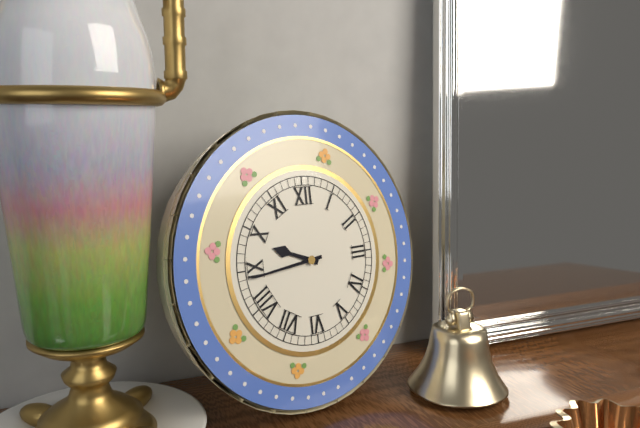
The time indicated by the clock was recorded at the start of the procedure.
9:44
